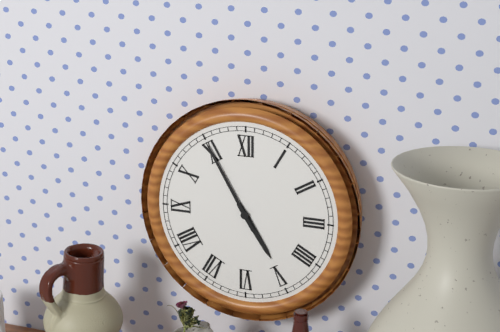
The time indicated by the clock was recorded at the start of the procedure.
4:55
